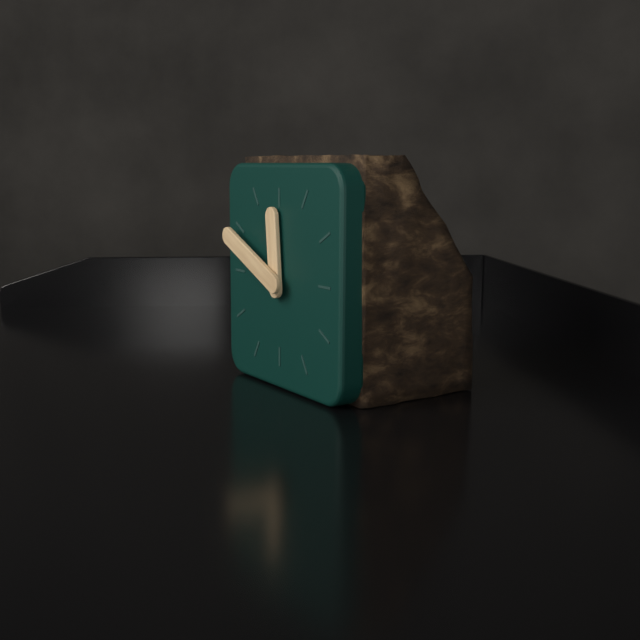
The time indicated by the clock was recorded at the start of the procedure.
11:49
